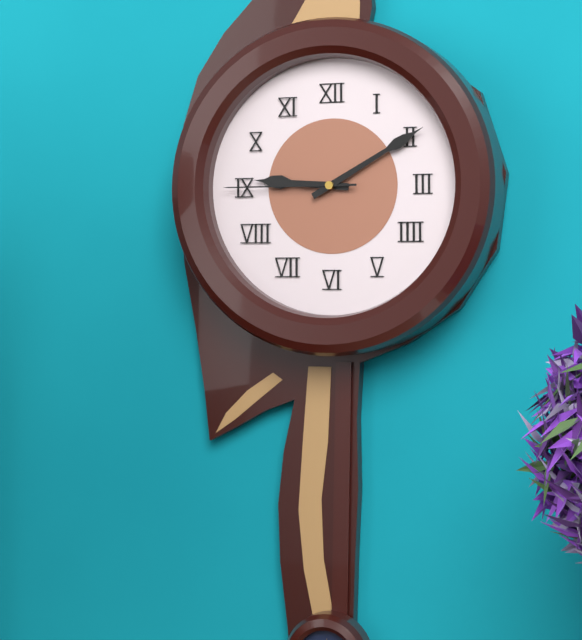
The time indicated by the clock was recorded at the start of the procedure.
9:10:45
